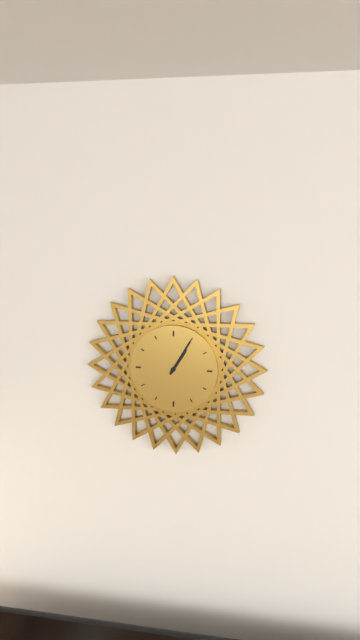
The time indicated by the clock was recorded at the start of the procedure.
1:05
